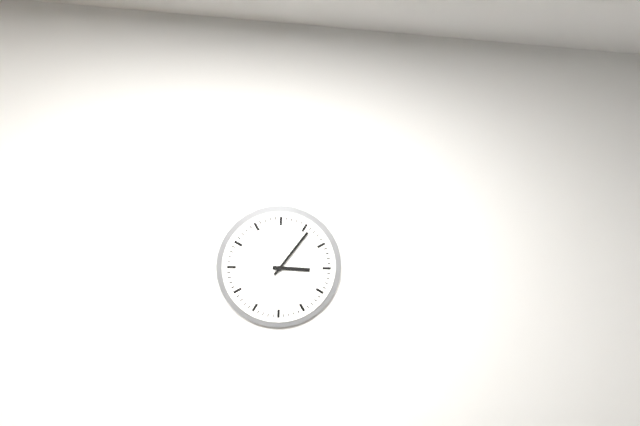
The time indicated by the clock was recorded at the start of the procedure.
3:06
